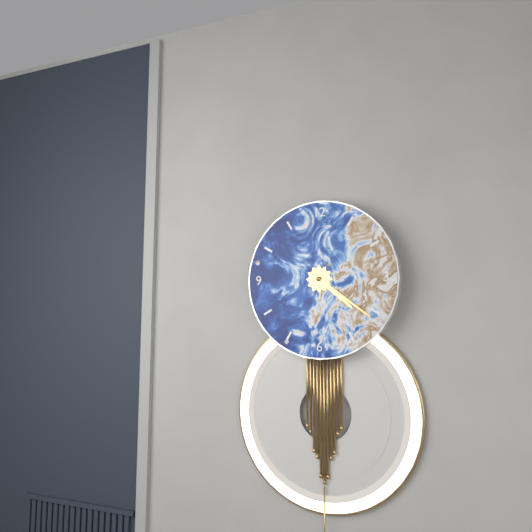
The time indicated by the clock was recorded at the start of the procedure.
4:21
